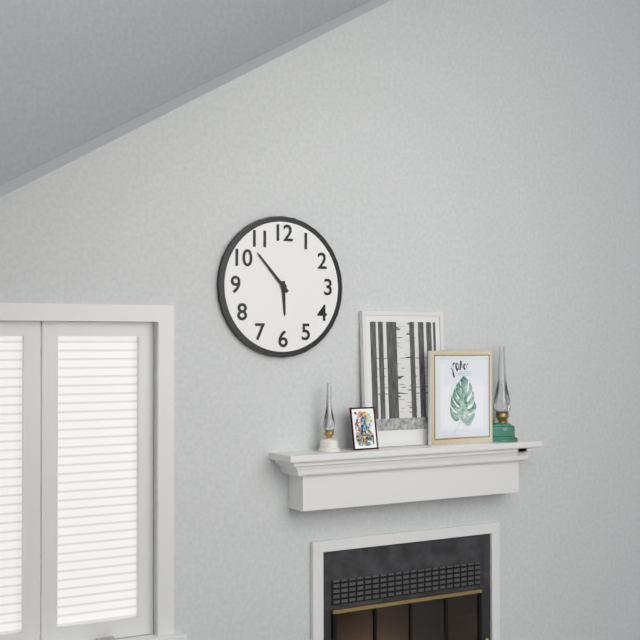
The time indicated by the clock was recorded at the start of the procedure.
5:53
